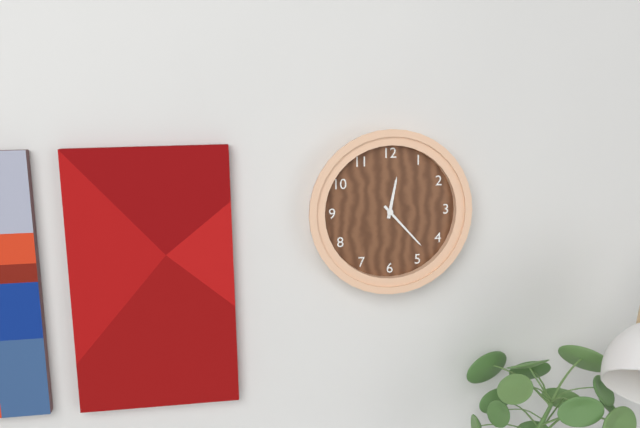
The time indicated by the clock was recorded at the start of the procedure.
12:23
